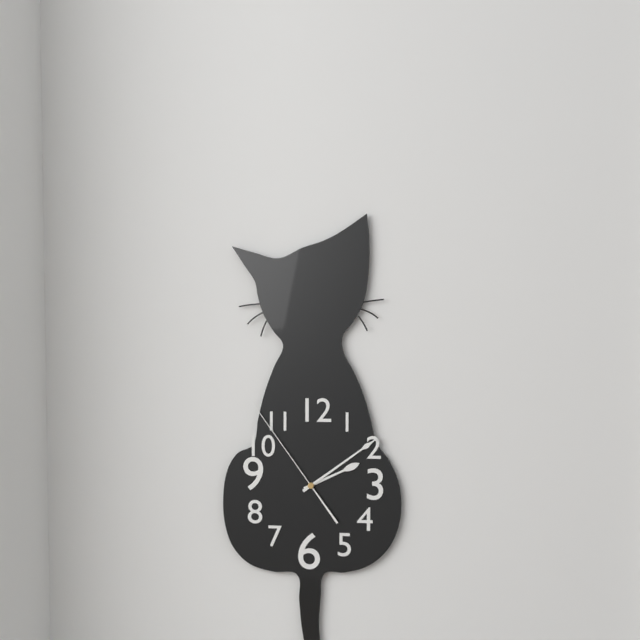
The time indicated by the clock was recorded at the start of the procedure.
2:09:54
